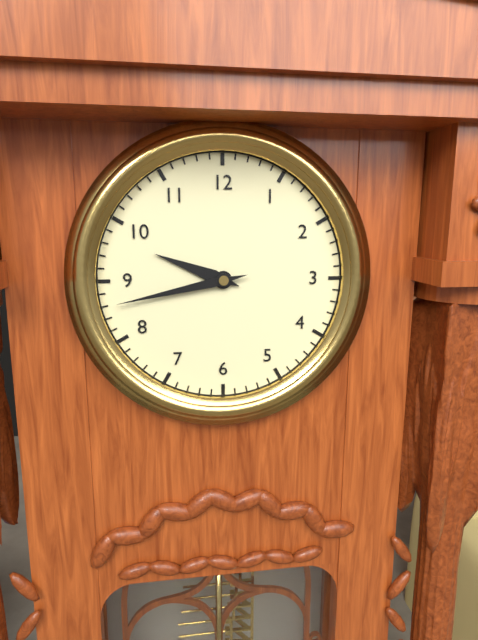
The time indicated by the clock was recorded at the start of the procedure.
9:43
